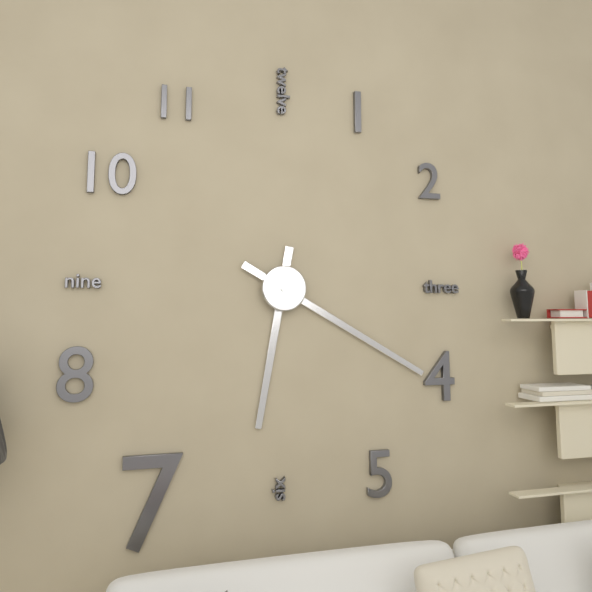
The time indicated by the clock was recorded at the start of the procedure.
6:20
